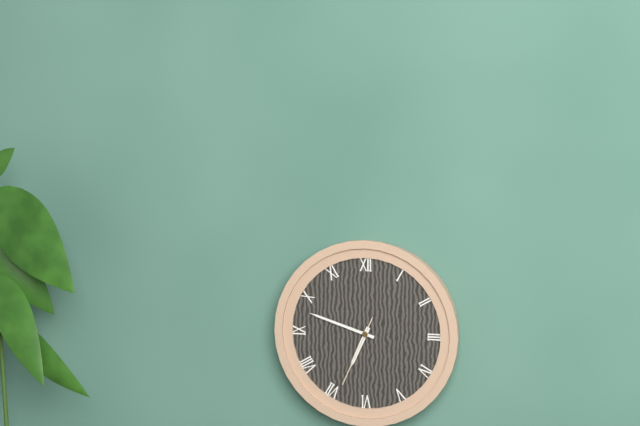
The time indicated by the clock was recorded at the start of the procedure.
6:48:34
